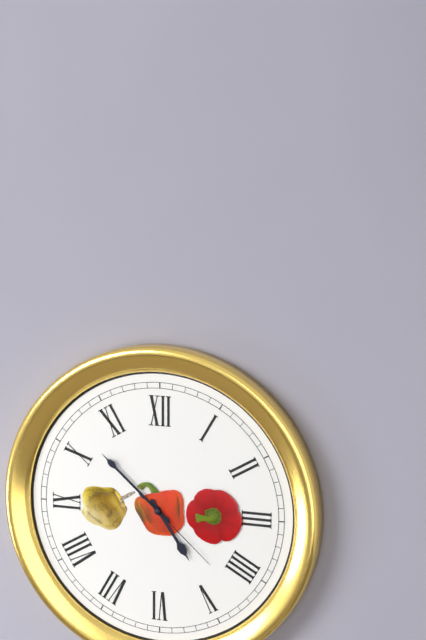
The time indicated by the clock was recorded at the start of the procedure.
4:52:22
